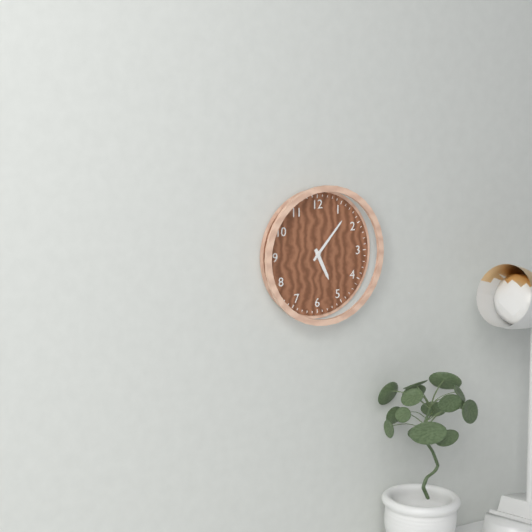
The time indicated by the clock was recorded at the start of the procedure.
5:07
